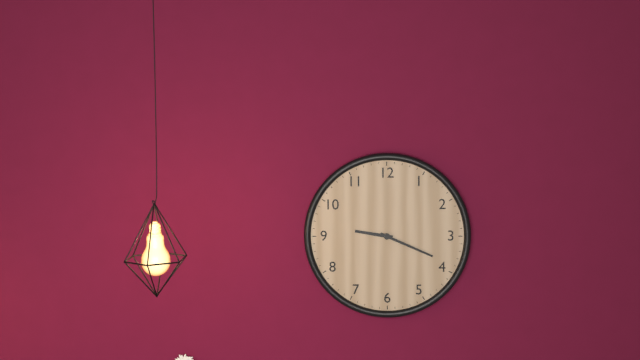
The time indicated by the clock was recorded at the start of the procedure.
9:19
